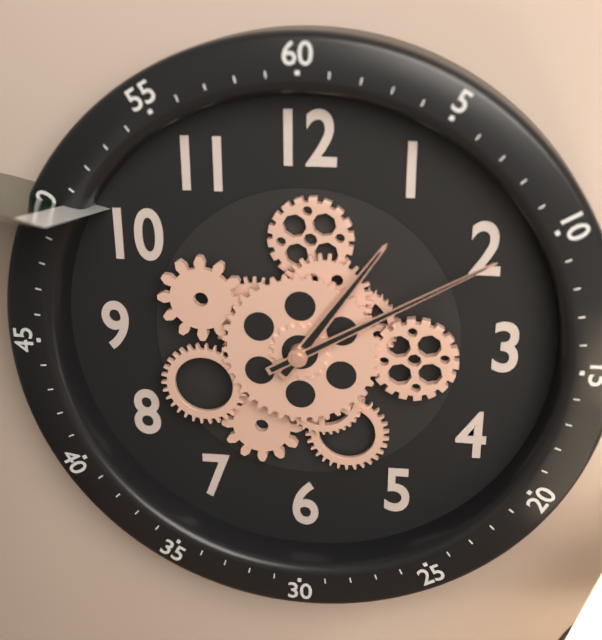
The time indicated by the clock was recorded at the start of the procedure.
1:10
